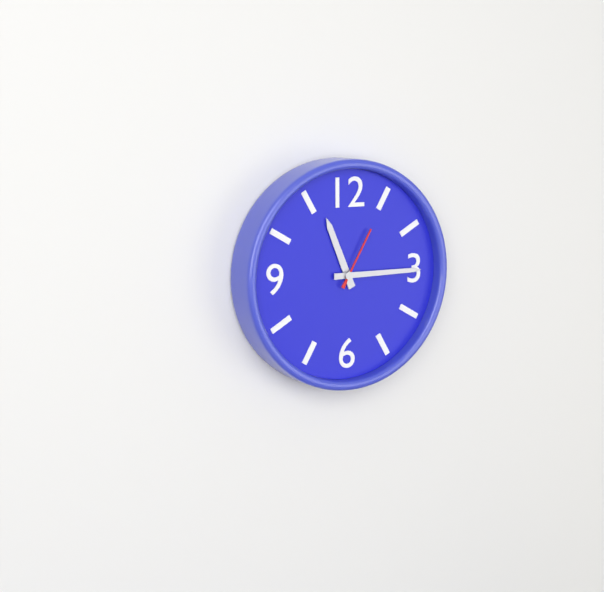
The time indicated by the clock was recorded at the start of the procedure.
11:15:05
